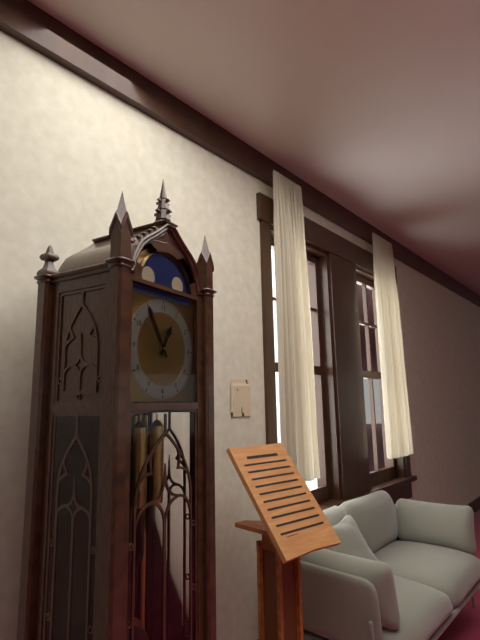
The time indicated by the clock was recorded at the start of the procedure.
12:55
